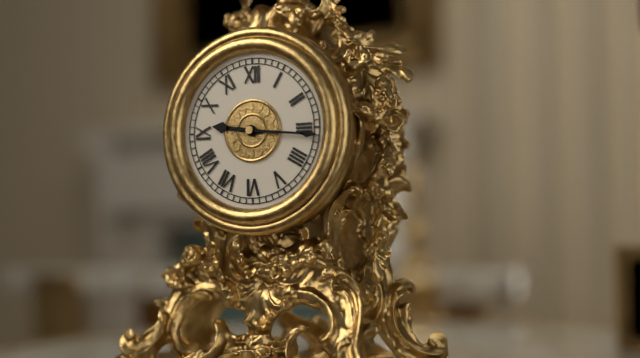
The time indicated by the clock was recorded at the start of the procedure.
9:16
